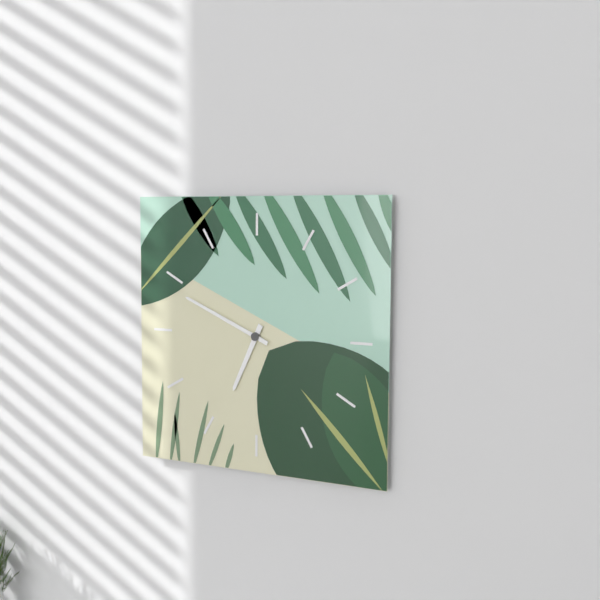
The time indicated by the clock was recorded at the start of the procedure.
6:49
